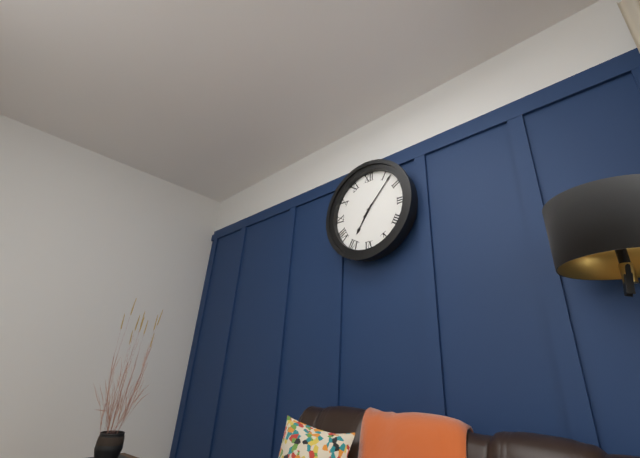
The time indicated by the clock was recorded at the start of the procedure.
7:07
